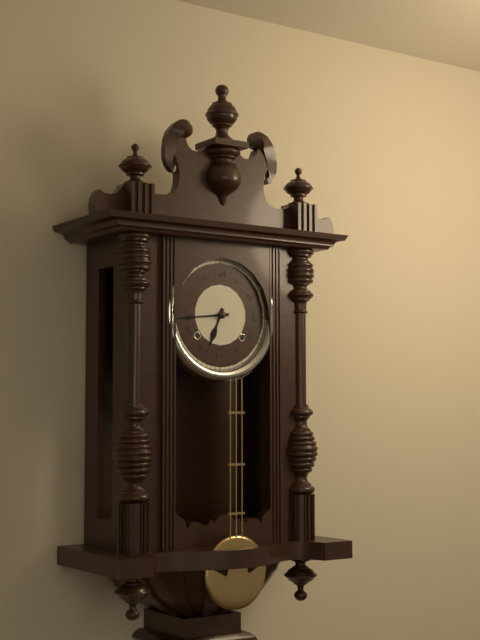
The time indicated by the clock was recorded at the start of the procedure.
6:44
